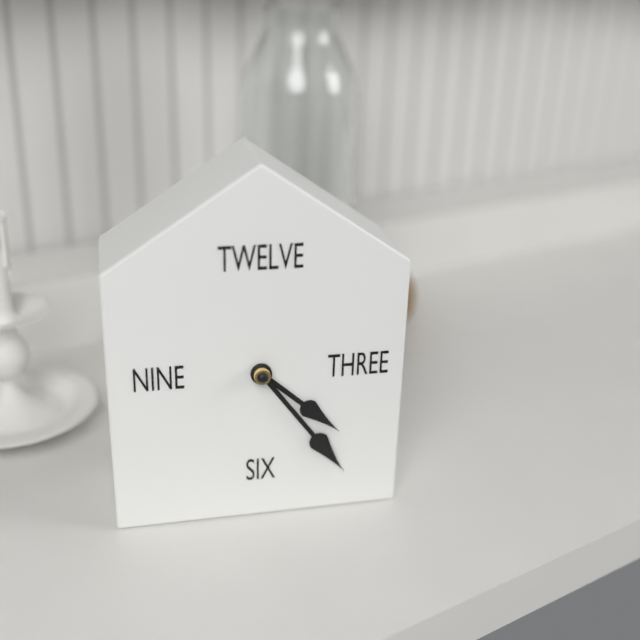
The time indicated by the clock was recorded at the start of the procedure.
4:24
